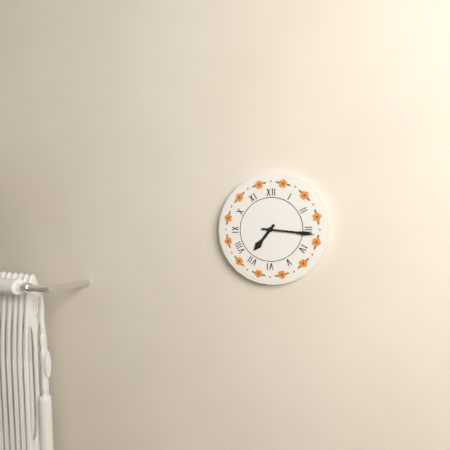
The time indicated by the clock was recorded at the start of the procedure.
7:16
